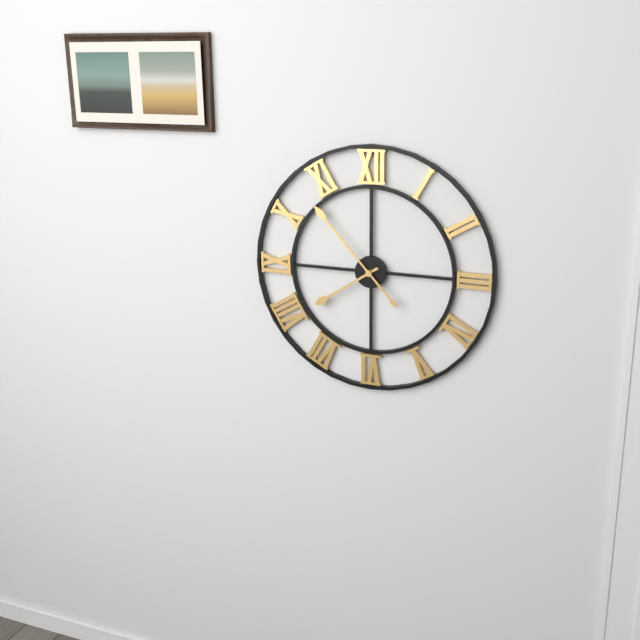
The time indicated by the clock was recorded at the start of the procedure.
7:53
